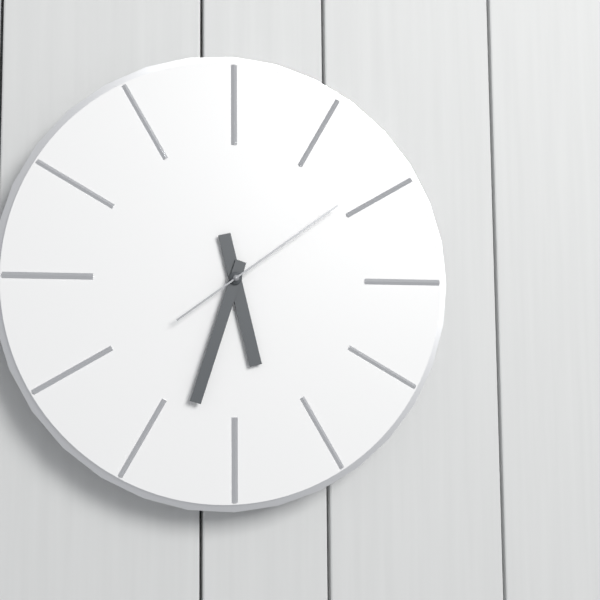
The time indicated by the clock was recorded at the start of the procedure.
5:33:09
